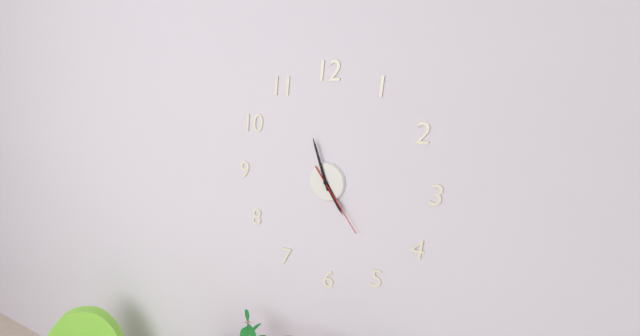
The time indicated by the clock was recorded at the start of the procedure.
4:57:24
